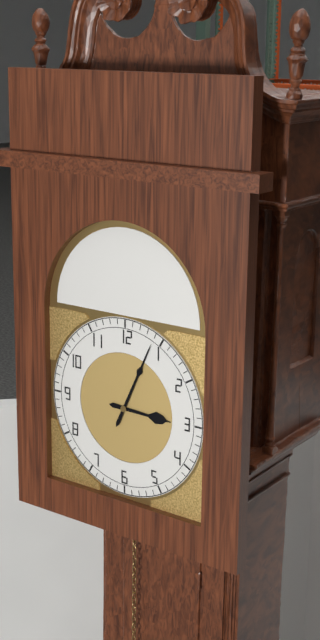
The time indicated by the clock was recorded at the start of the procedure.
3:04
